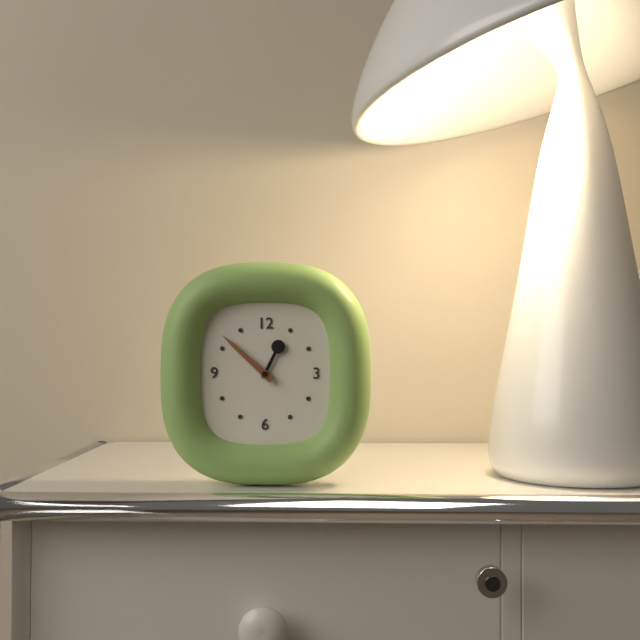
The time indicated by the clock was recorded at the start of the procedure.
12:52
